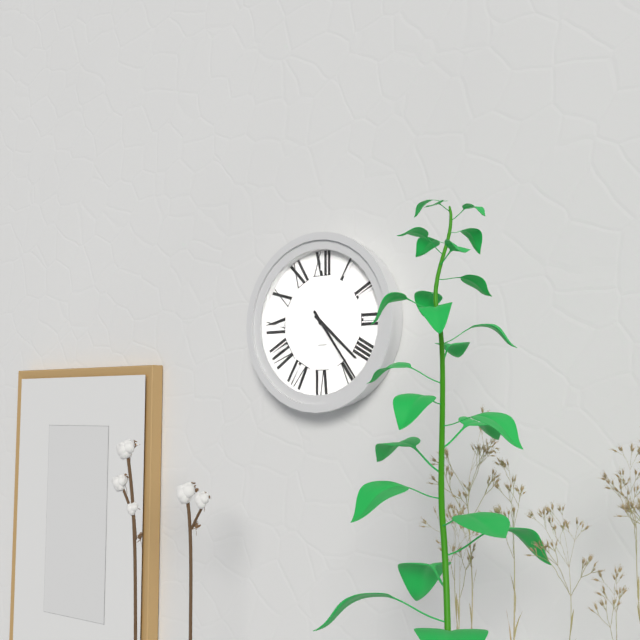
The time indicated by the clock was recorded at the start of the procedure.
4:24
